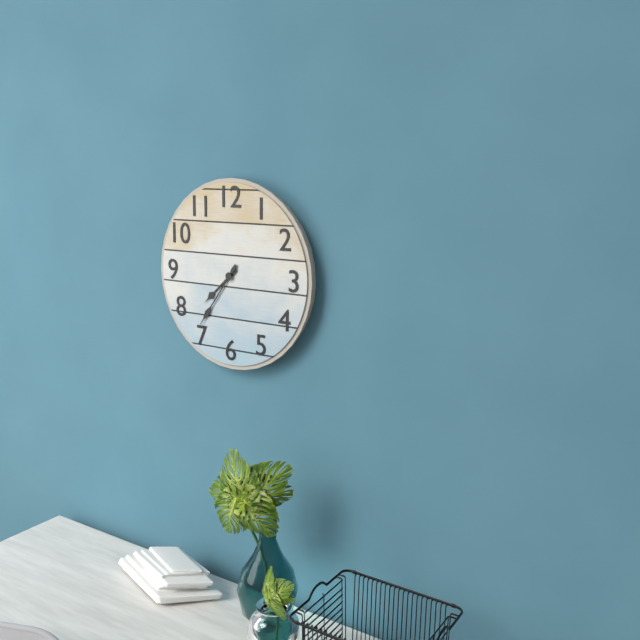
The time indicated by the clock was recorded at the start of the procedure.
7:36
